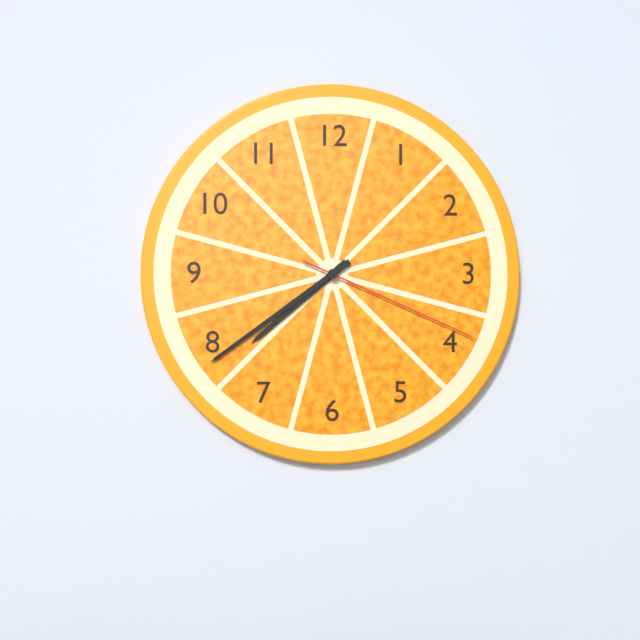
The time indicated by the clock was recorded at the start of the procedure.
7:39:19
